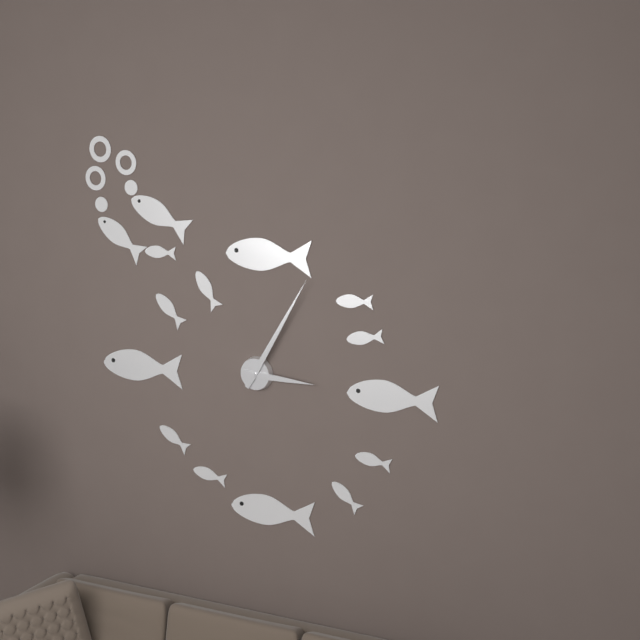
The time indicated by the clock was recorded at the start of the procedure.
3:05
